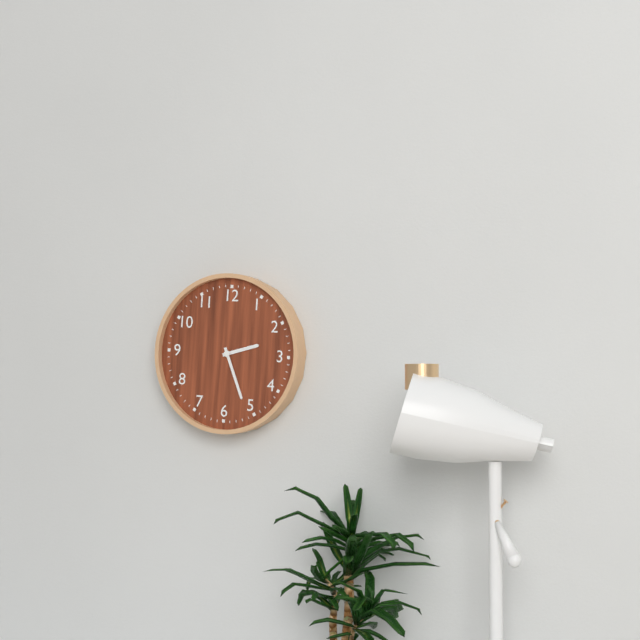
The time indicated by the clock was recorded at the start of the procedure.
2:26
